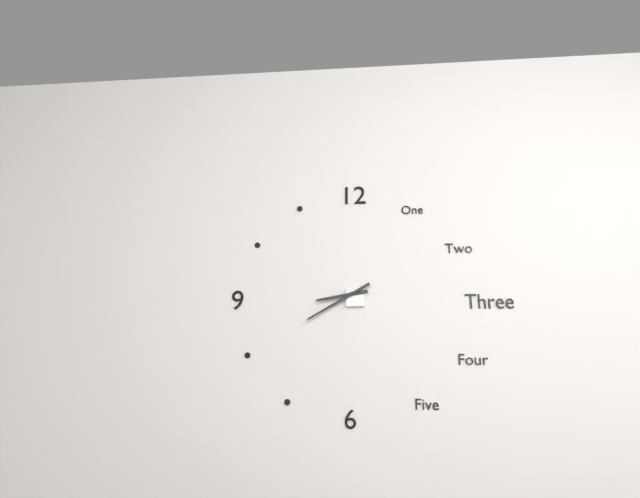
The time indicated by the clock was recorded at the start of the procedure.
8:40
